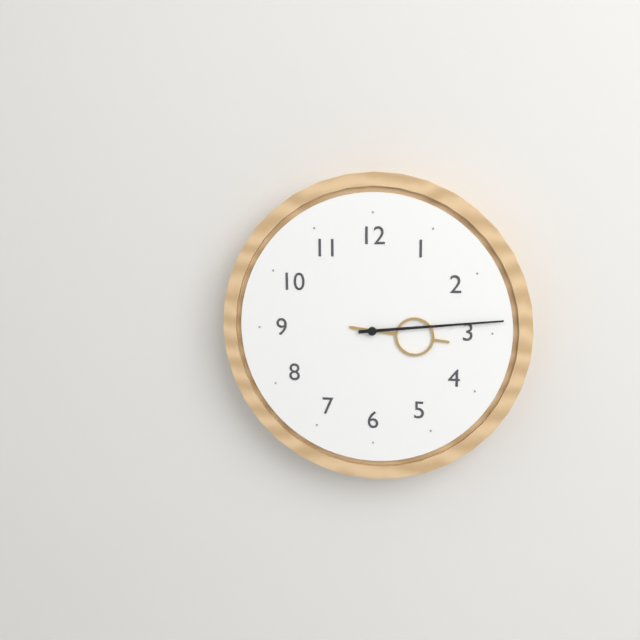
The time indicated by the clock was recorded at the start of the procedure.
3:14
